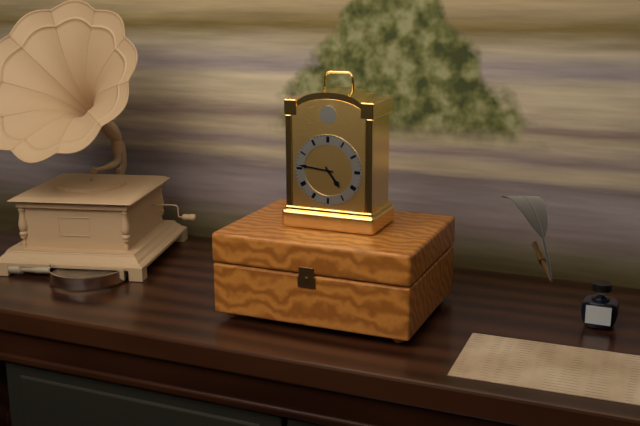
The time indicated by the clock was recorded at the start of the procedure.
4:46
